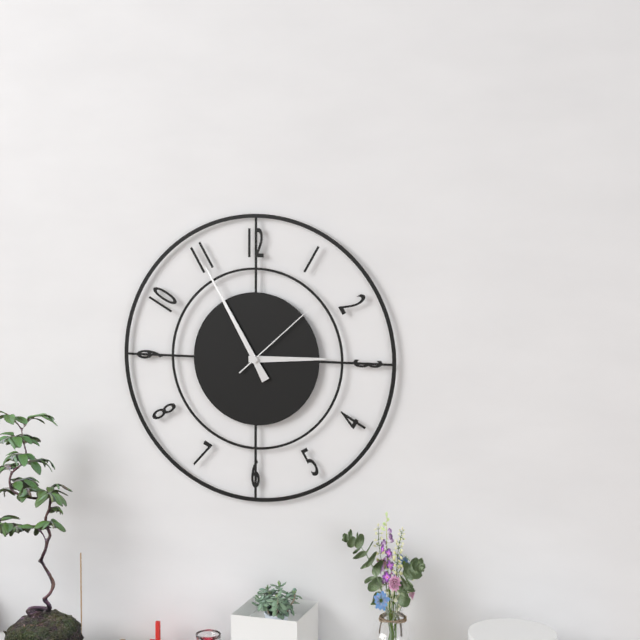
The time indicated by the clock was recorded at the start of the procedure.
2:55:08
